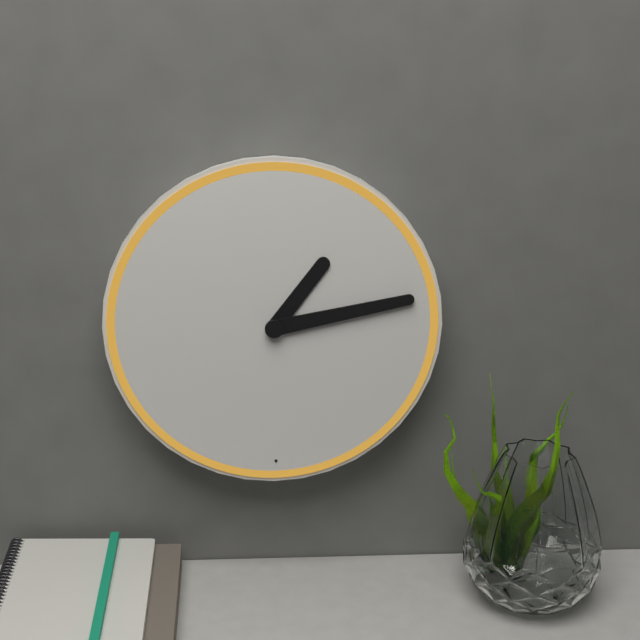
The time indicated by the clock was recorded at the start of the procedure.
1:13
